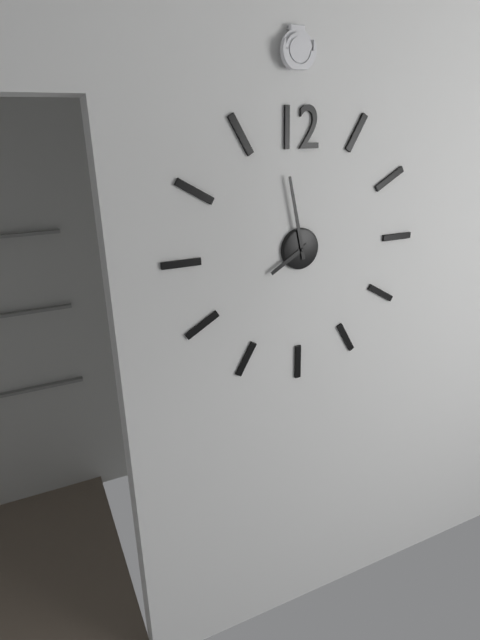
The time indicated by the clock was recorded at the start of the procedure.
7:58
